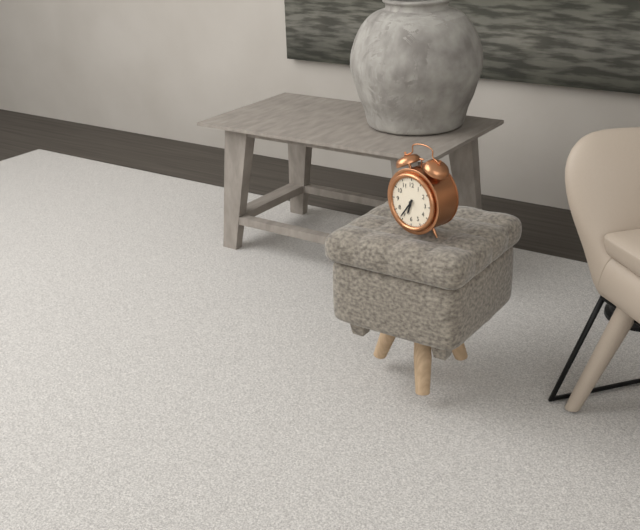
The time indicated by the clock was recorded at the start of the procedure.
6:36
